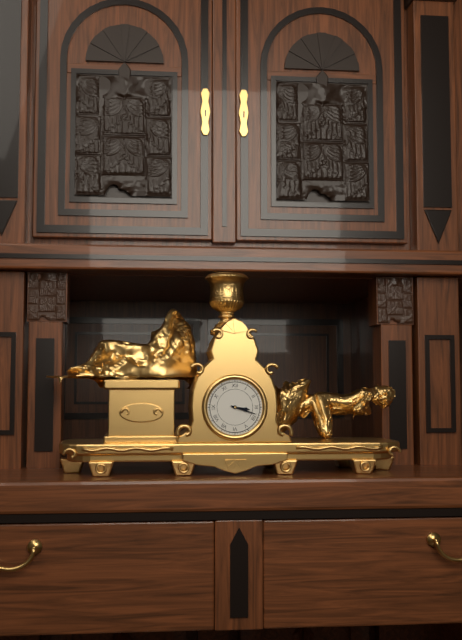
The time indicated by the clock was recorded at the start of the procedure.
3:18
